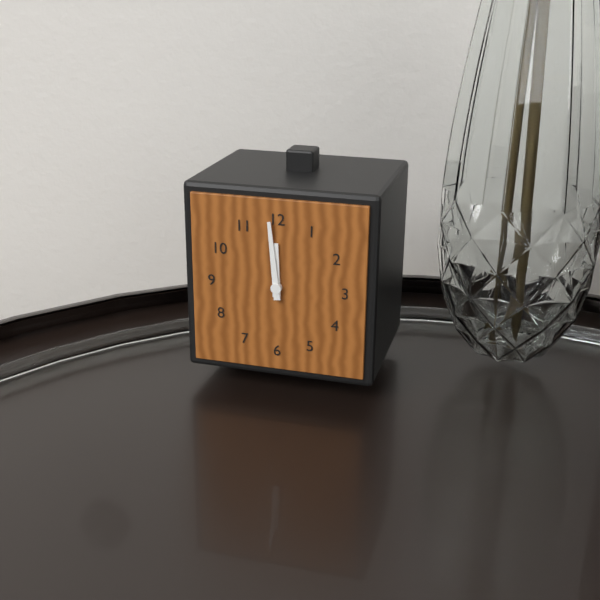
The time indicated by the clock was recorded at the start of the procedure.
11:59
